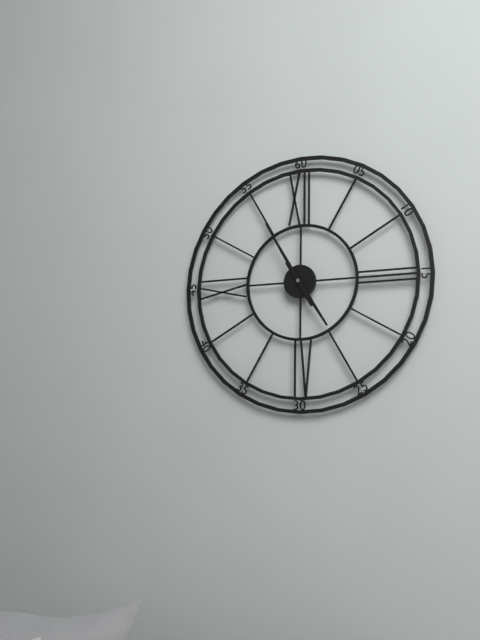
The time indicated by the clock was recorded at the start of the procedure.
4:55
